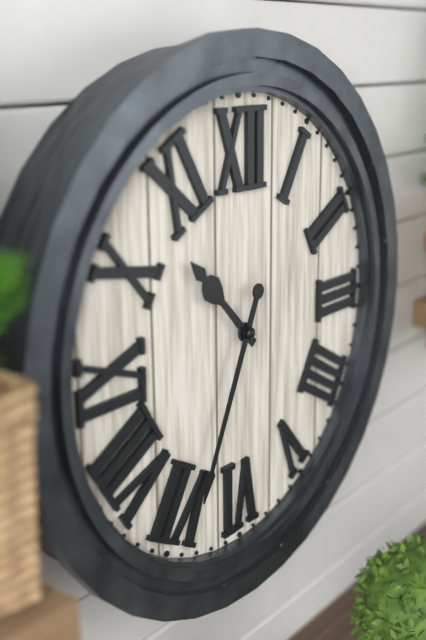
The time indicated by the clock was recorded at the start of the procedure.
10:34
